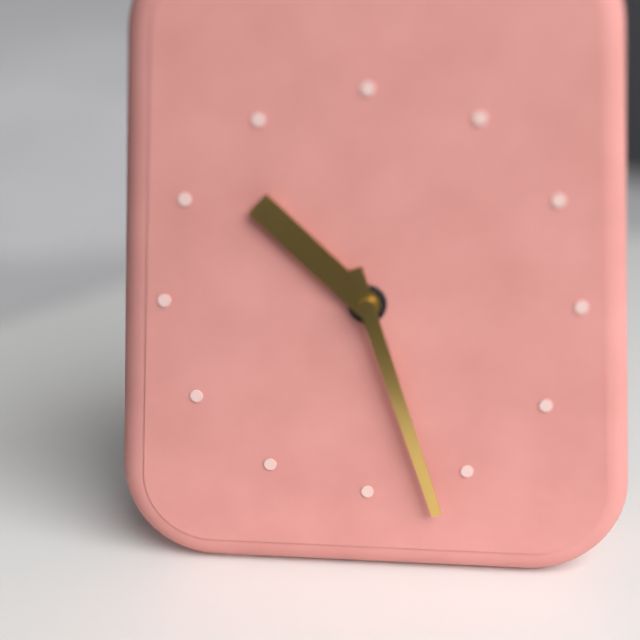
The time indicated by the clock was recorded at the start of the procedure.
10:27
